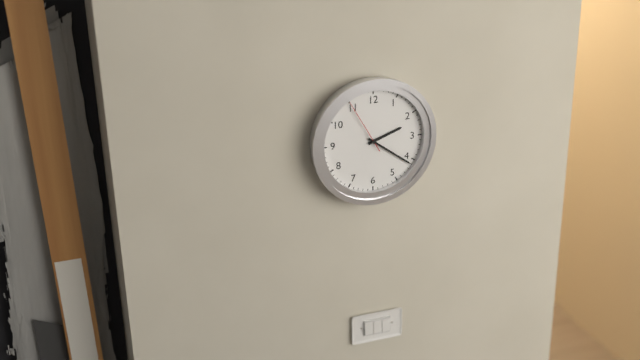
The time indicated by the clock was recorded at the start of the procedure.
2:21:55
